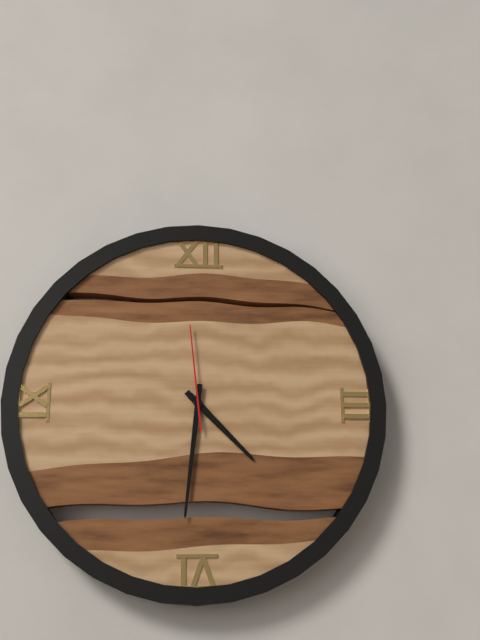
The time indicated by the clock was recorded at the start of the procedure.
4:31:59
